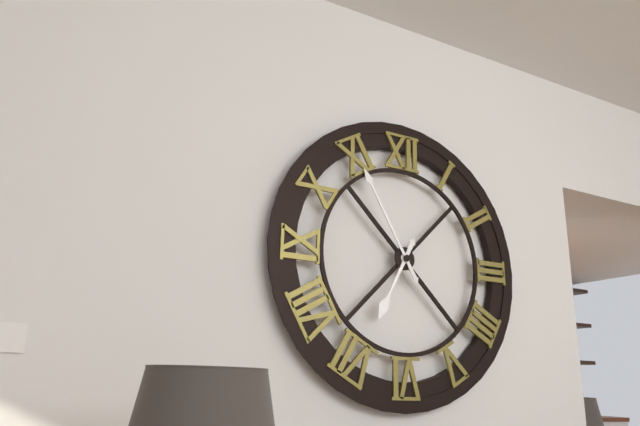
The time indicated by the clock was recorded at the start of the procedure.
6:55
